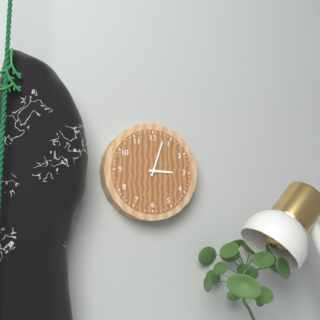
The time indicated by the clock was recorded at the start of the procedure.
3:03
